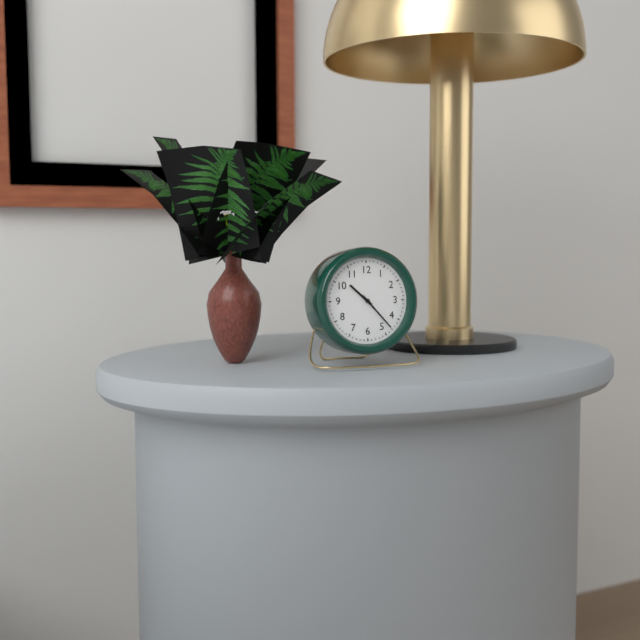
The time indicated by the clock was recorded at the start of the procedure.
10:23
